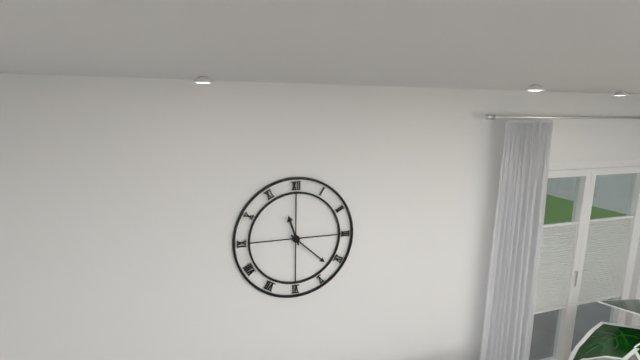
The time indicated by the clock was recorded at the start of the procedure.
11:22
